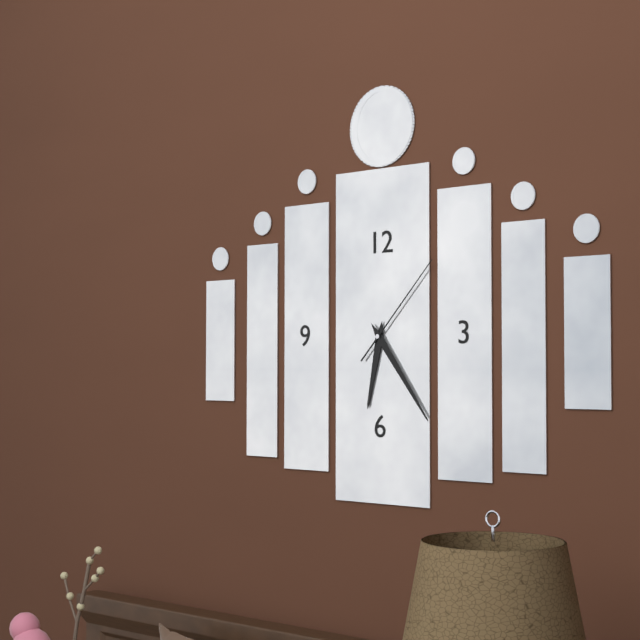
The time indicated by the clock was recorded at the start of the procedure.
6:24:07
